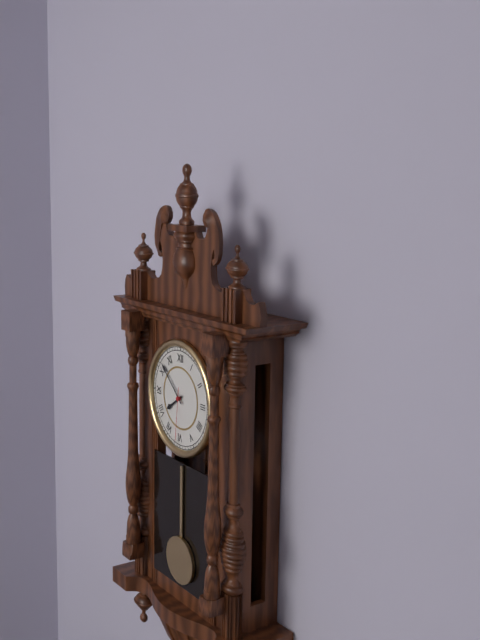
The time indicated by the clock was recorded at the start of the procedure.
7:52:31
